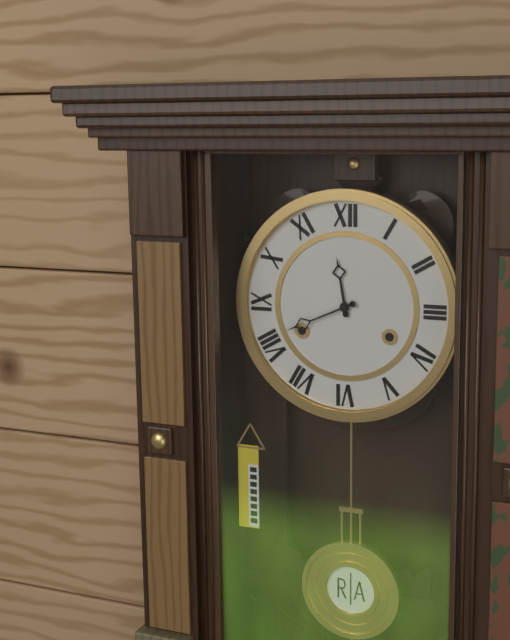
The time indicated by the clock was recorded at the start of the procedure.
11:41
